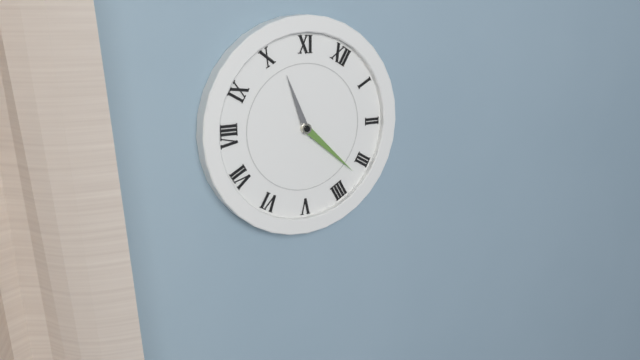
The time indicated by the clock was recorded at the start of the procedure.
10:17
